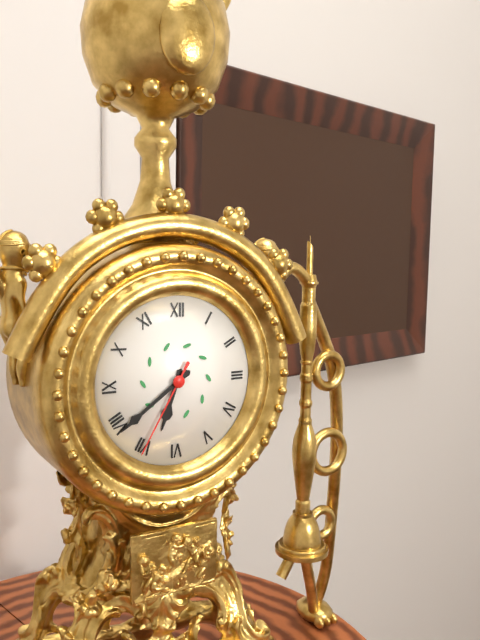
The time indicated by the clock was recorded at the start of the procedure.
6:39:35
